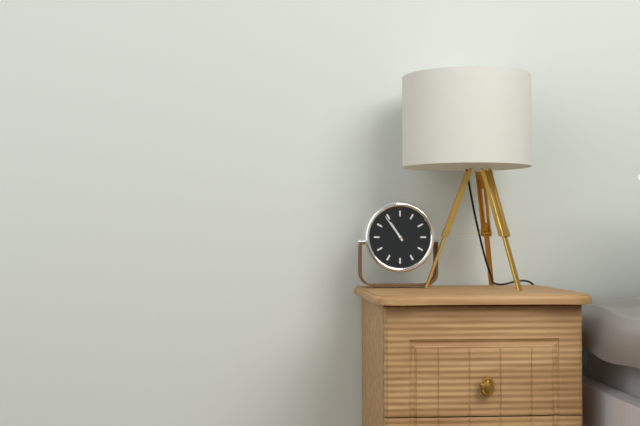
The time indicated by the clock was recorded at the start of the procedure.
10:54
